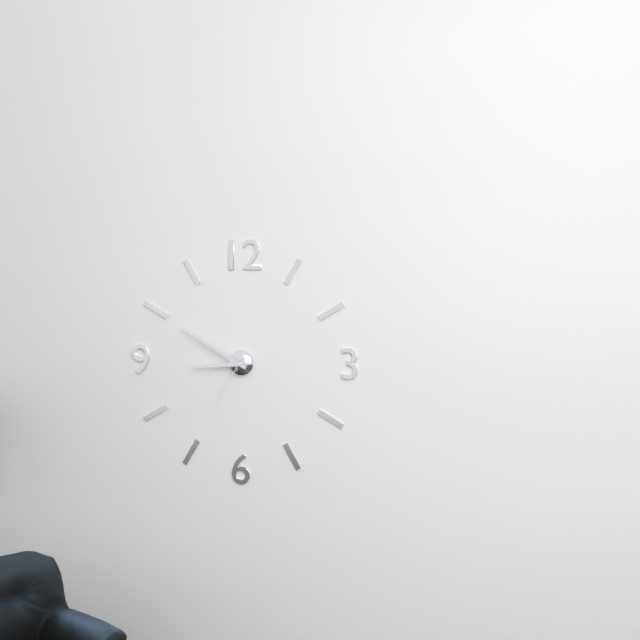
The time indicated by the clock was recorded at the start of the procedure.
8:50:35
